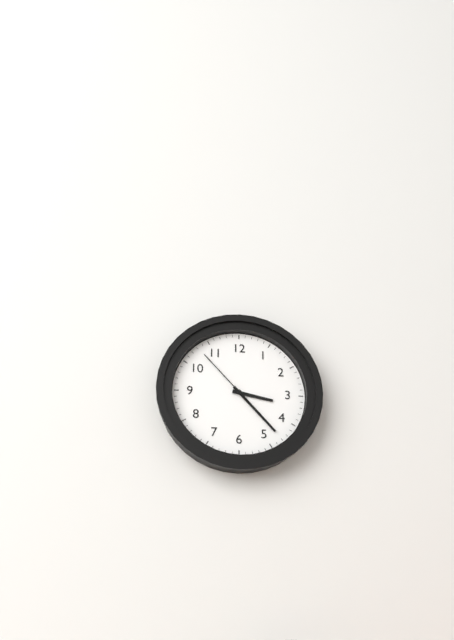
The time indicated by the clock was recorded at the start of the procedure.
3:23:53
